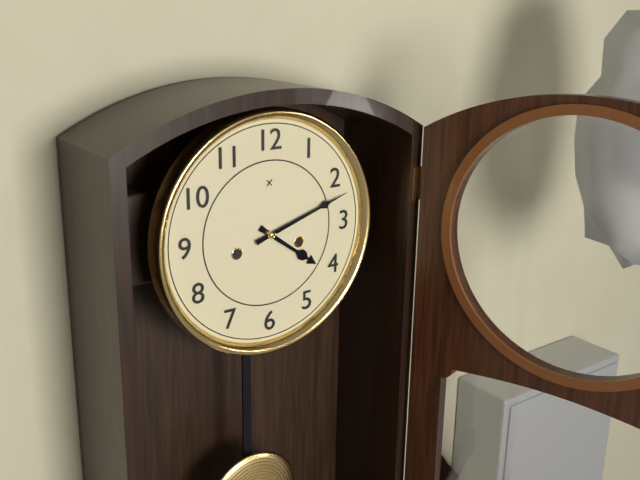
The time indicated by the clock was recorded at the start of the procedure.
4:12
